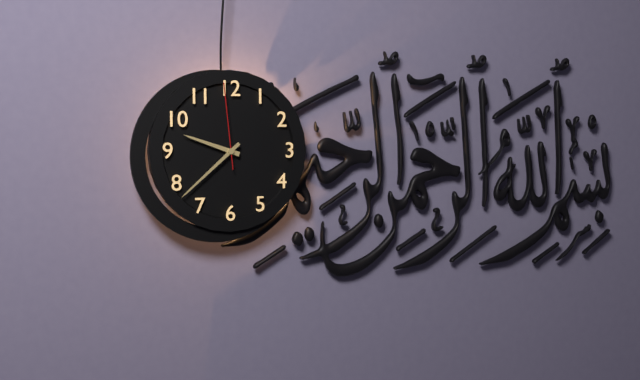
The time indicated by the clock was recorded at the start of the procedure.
9:38:59
